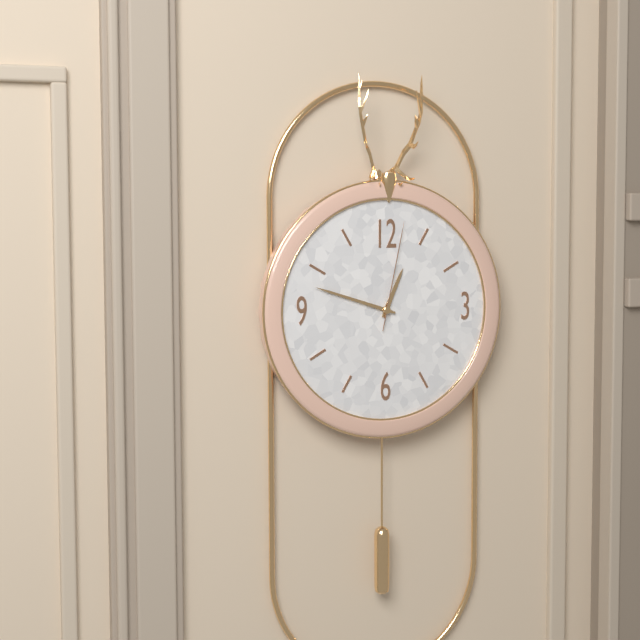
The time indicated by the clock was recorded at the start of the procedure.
12:48:02
